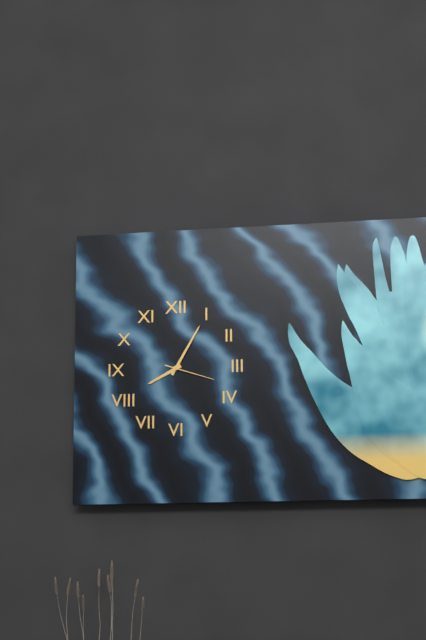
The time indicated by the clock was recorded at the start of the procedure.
8:05:18
